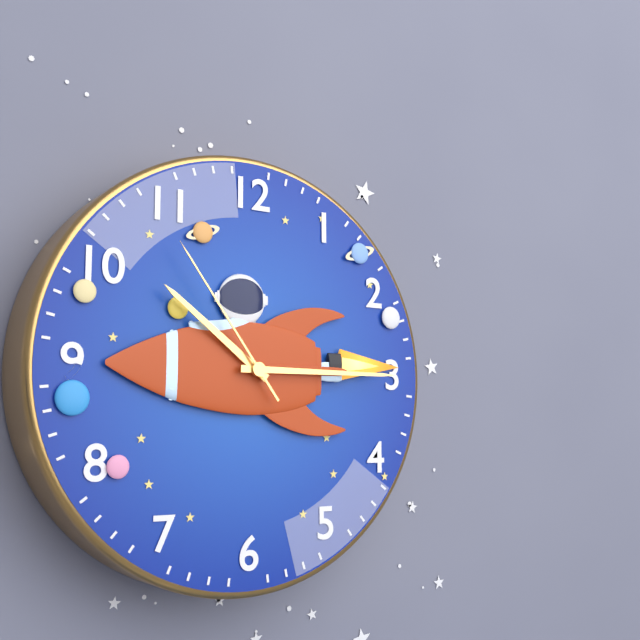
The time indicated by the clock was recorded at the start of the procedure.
10:15:54
